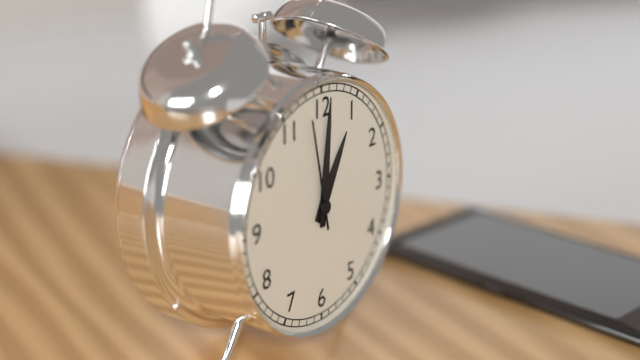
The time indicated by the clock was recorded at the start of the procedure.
1:01:58
